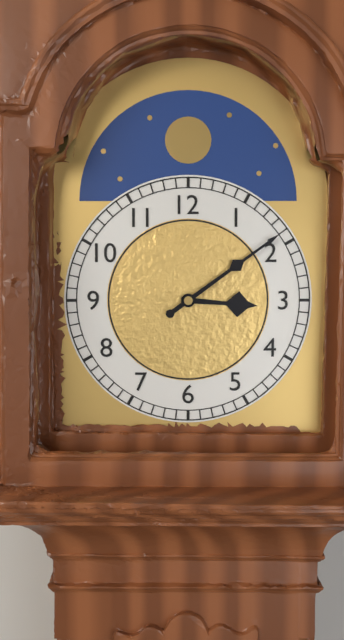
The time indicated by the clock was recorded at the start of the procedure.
3:09
